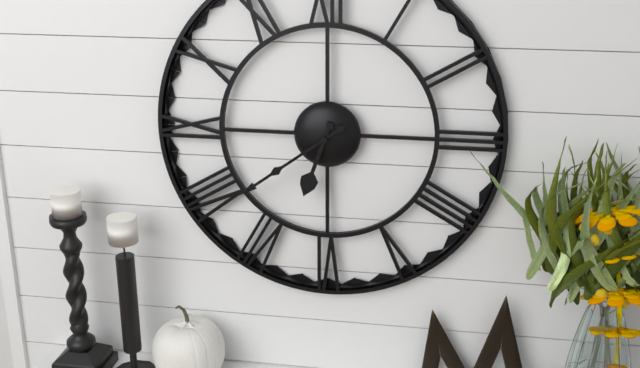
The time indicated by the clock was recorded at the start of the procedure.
6:39
